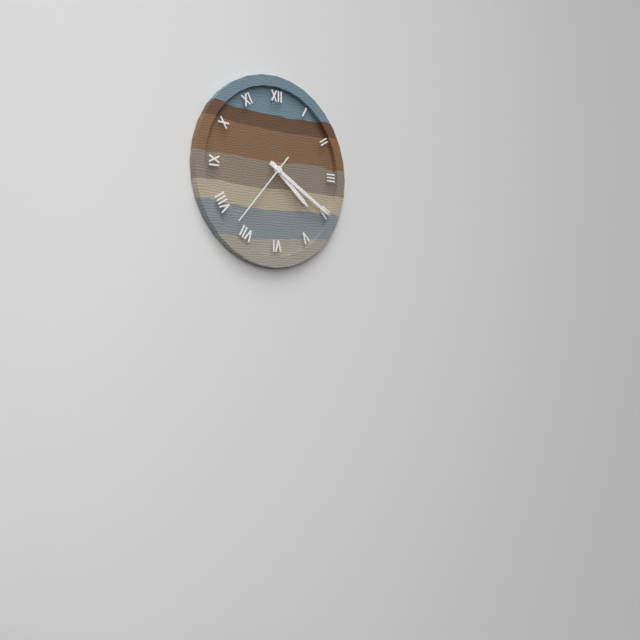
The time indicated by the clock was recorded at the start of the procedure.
4:20:37
